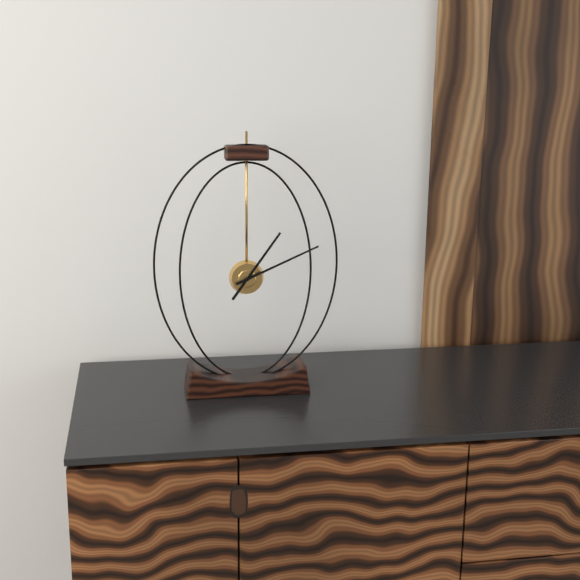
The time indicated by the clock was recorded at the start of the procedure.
1:11
